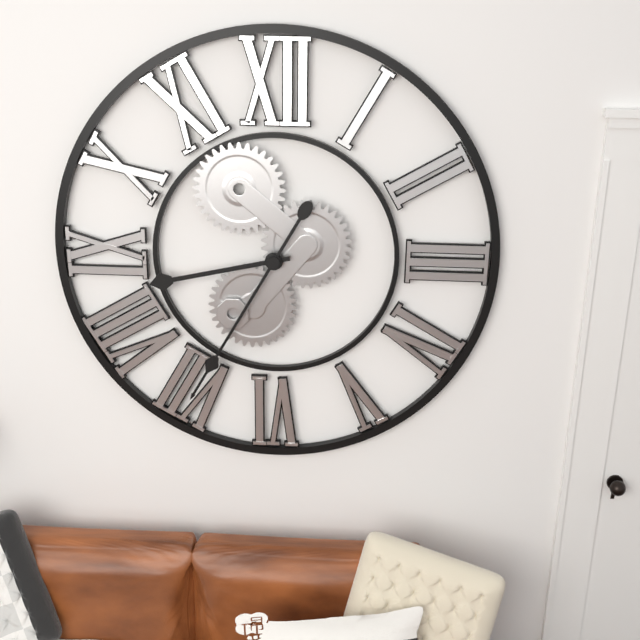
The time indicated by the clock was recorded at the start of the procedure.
8:35
